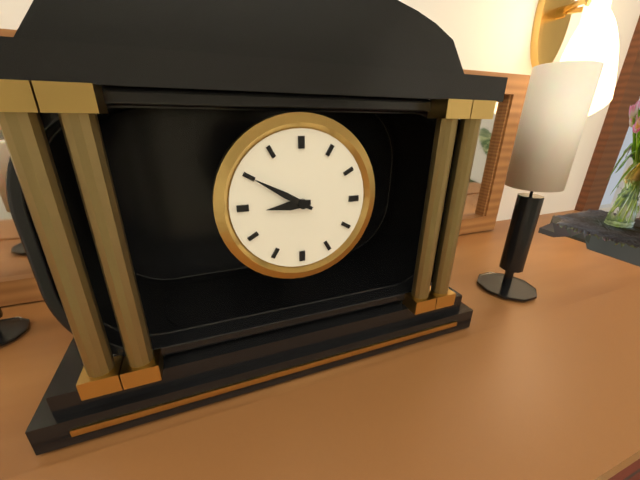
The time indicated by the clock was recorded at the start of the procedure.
8:50
